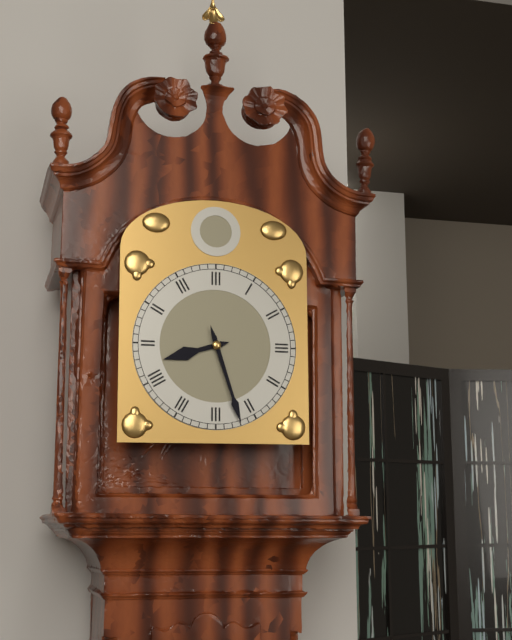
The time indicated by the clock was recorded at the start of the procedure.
8:27
